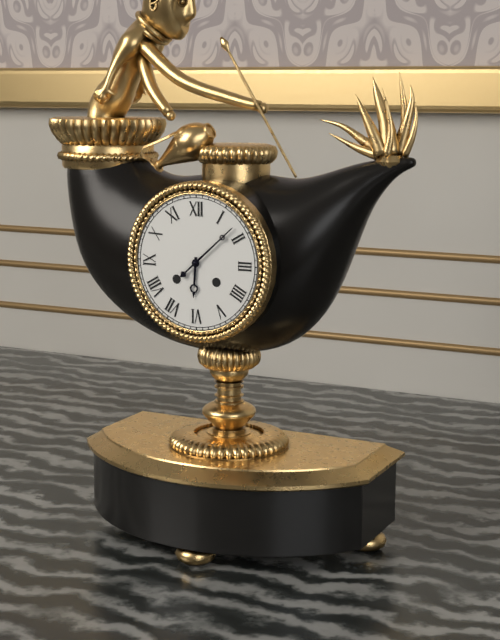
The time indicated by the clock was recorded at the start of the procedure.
6:08
